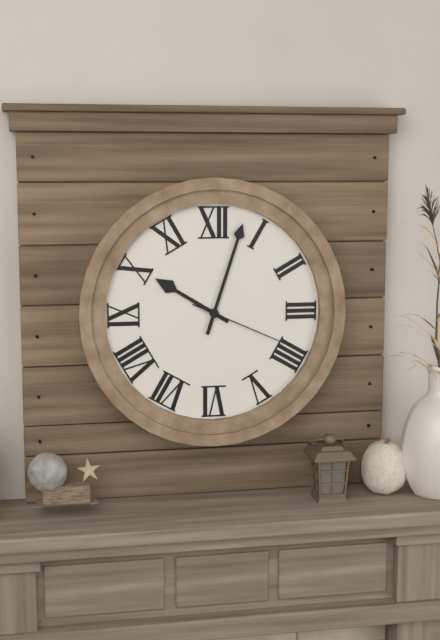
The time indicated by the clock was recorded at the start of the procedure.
10:03:19
